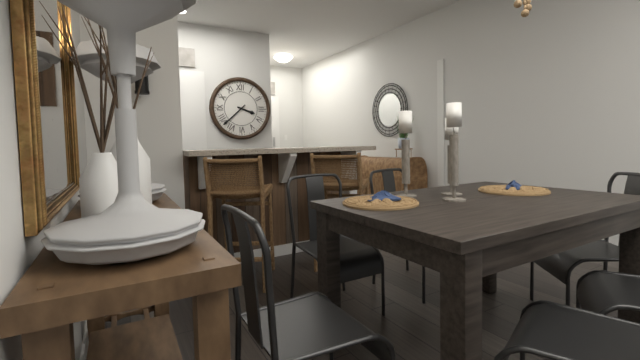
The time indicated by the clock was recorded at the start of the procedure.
3:38
